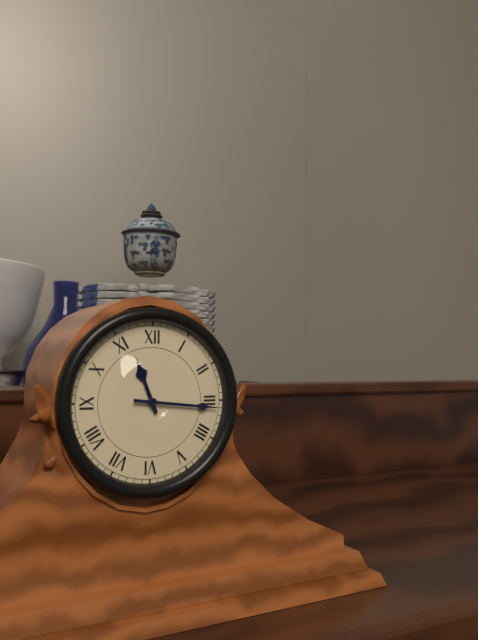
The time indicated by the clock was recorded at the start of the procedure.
11:16
